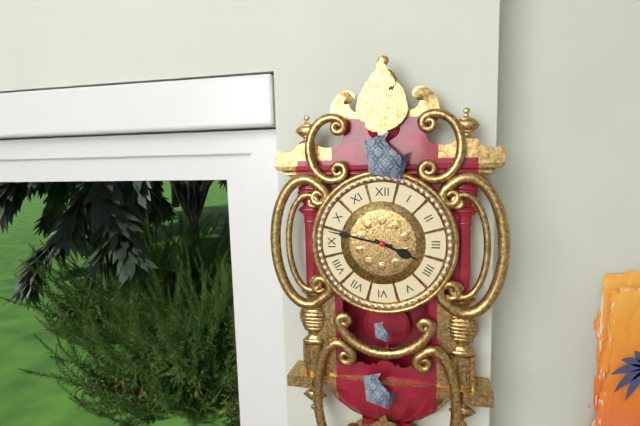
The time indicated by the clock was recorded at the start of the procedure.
3:47
